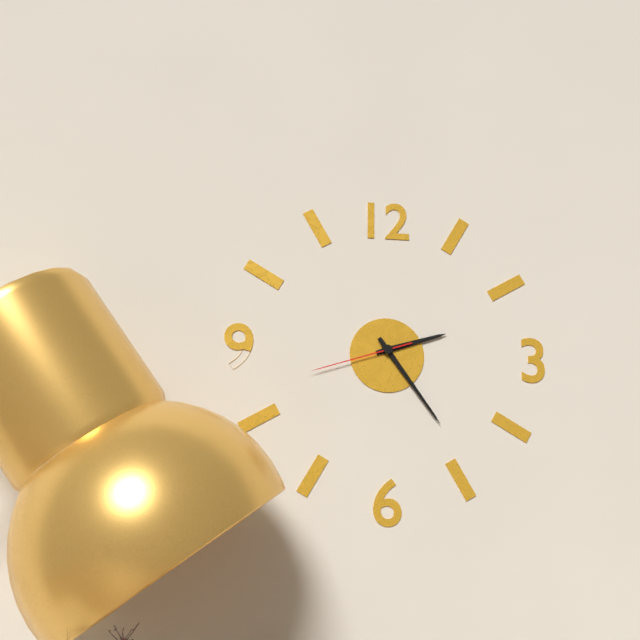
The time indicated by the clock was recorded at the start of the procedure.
2:24:42
